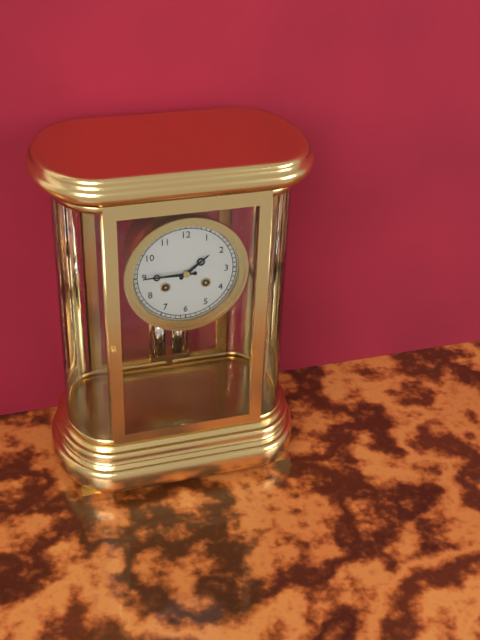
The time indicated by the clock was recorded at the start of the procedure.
1:45
